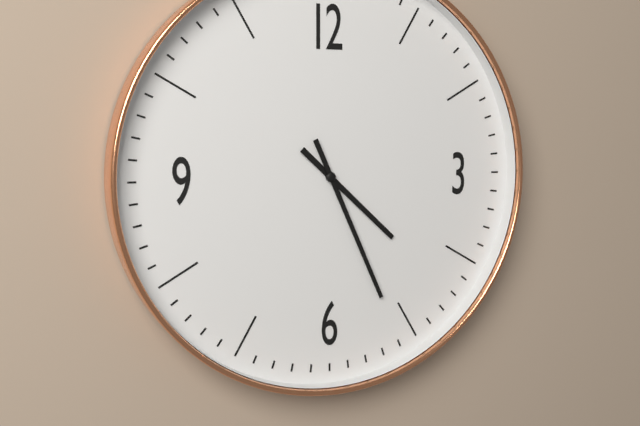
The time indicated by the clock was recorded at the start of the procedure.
4:26
